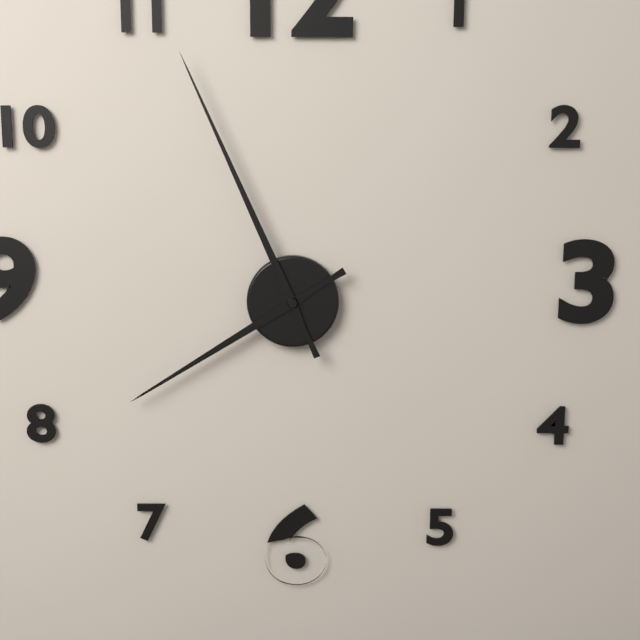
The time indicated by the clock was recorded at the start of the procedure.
7:56
